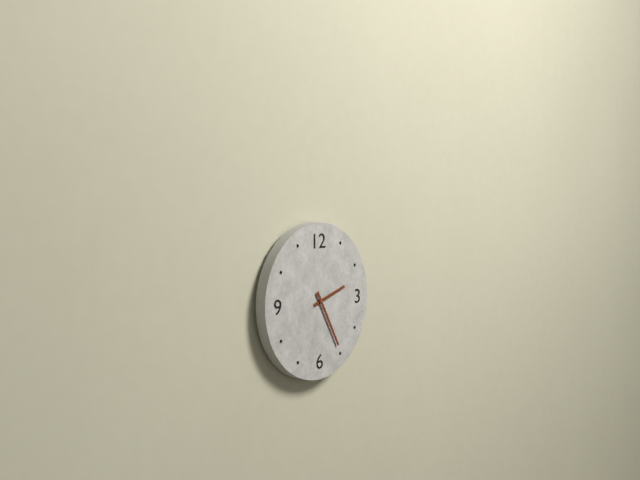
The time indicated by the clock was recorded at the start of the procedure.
2:25
